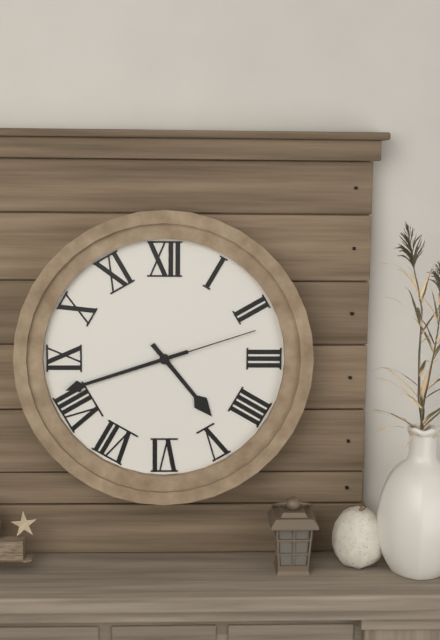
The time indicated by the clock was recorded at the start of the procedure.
4:42:12
